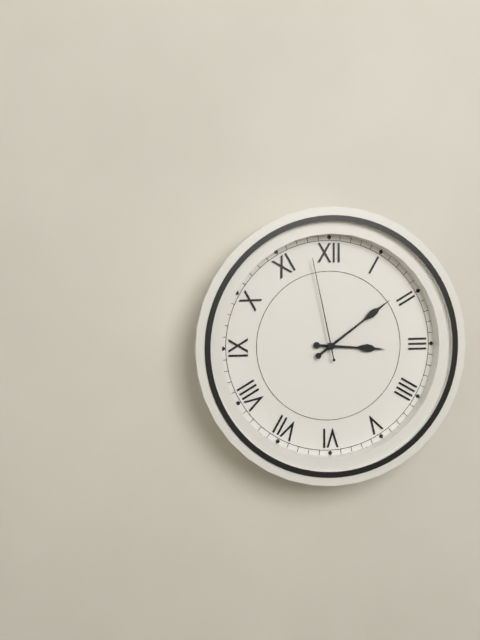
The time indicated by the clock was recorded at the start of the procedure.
3:09:58
